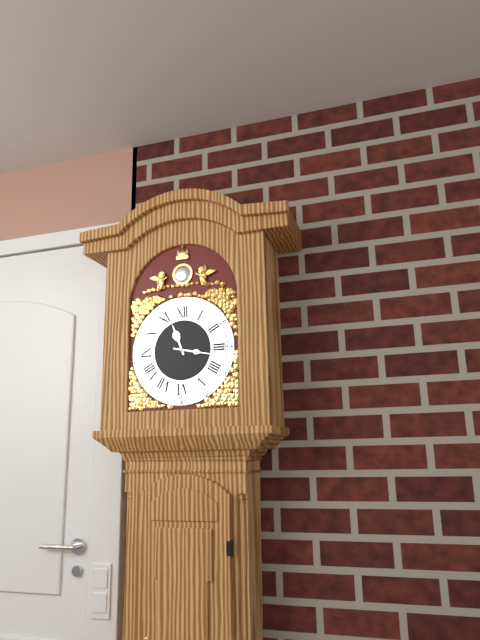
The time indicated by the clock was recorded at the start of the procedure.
11:17
